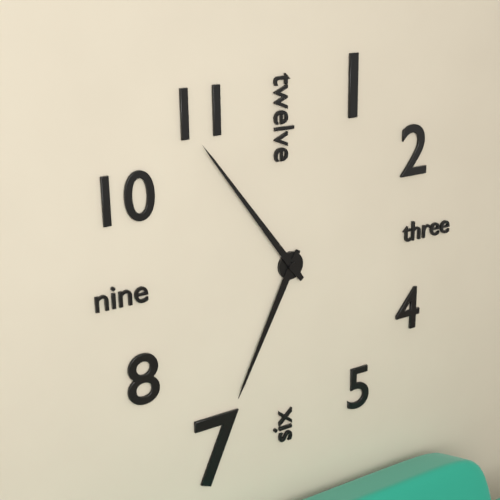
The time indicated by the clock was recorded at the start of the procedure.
6:54
